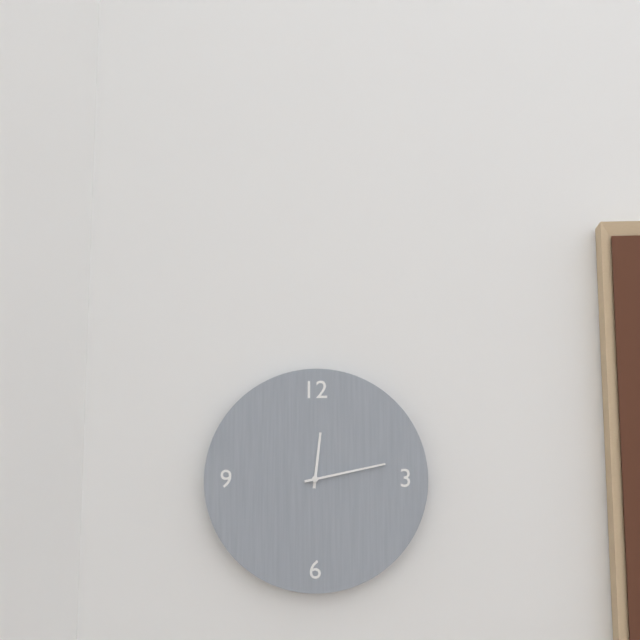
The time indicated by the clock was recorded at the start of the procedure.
12:13
